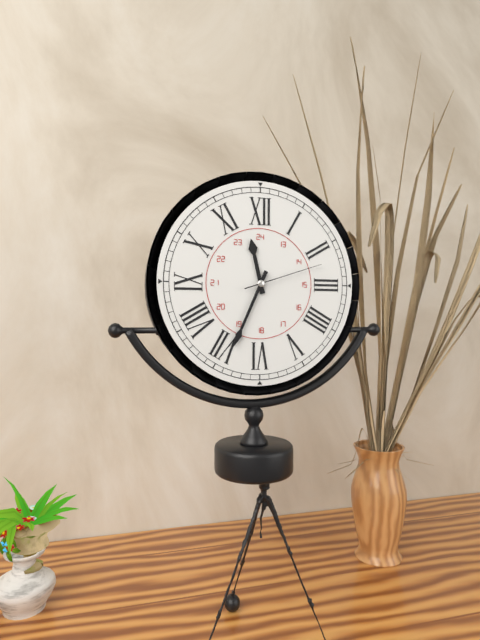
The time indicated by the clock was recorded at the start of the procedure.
11:34:12
